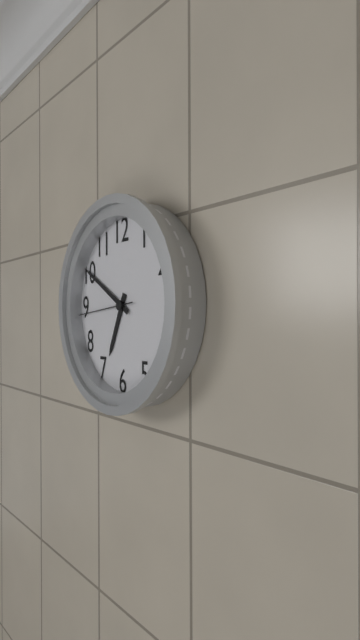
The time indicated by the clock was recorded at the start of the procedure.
6:50:44
